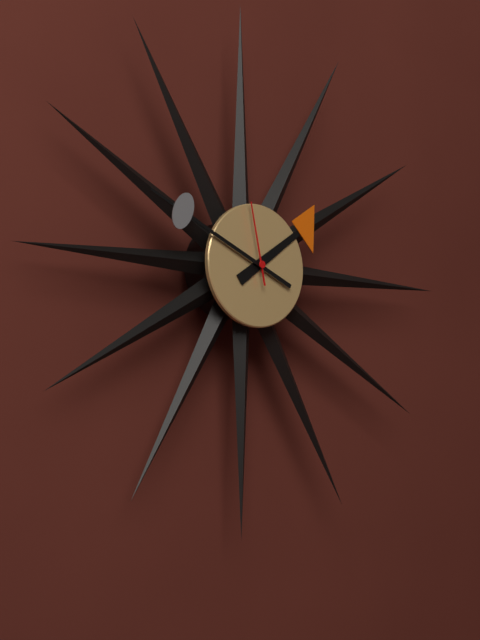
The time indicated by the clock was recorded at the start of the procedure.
1:49:58
